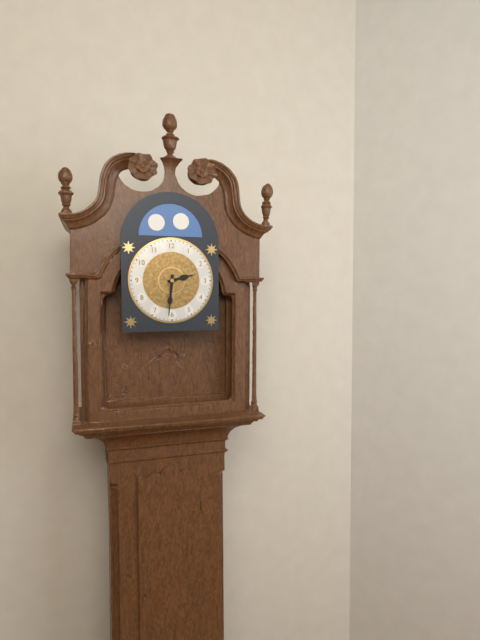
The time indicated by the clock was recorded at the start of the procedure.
2:31
